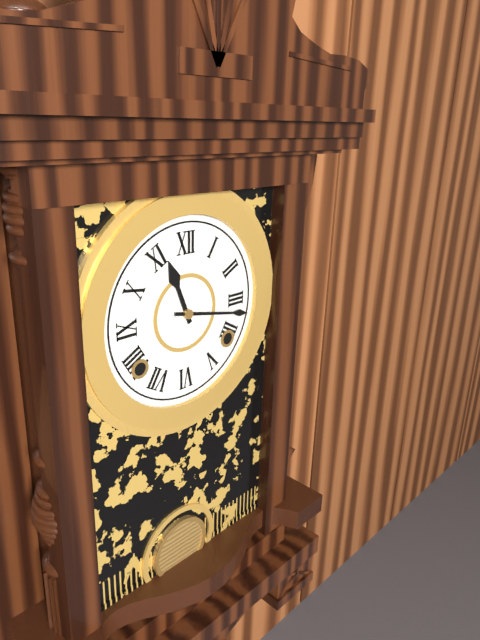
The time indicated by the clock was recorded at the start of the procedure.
11:17
